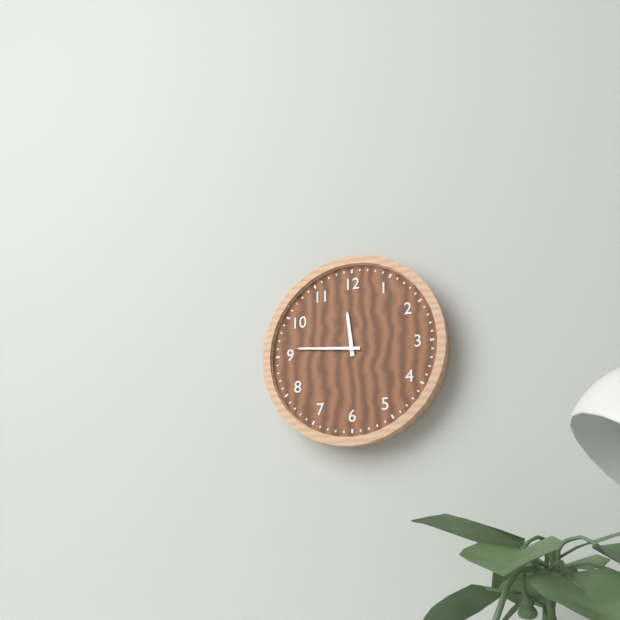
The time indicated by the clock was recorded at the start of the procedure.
11:46
